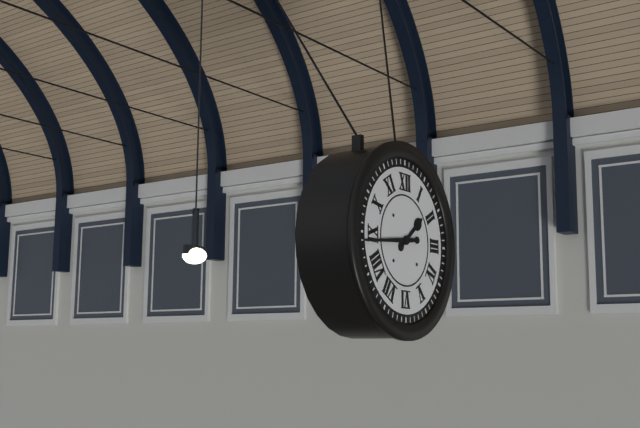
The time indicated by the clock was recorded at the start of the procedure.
1:44
